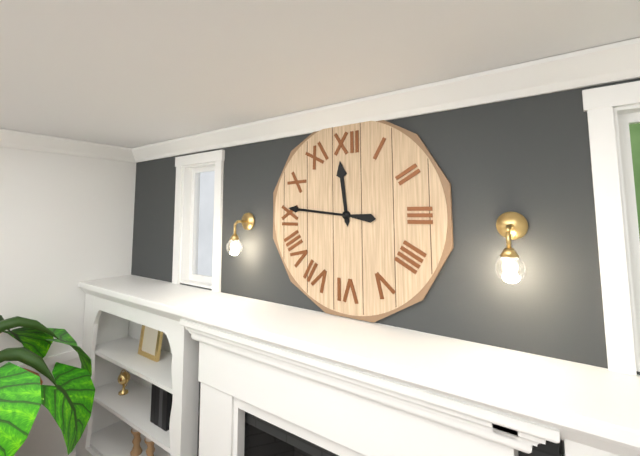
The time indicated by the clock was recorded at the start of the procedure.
11:46
